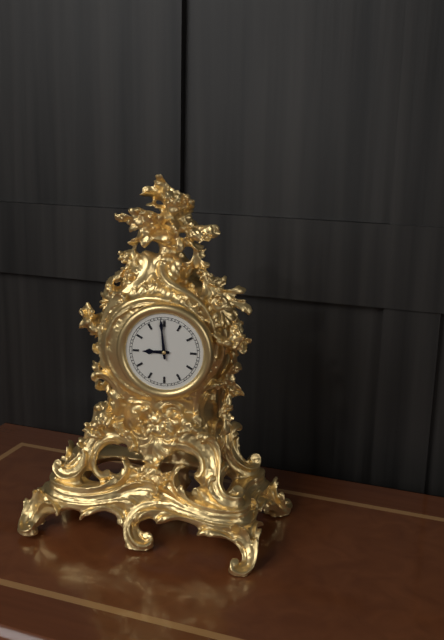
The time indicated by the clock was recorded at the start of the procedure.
8:59
